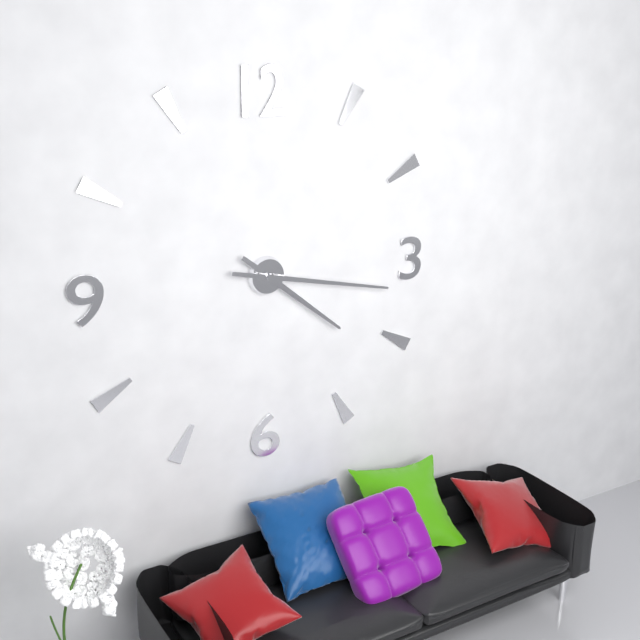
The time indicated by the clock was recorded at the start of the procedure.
4:17
